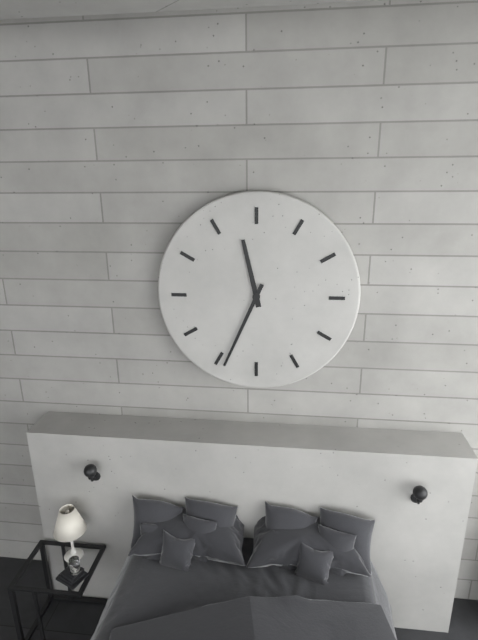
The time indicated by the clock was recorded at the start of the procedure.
11:34
